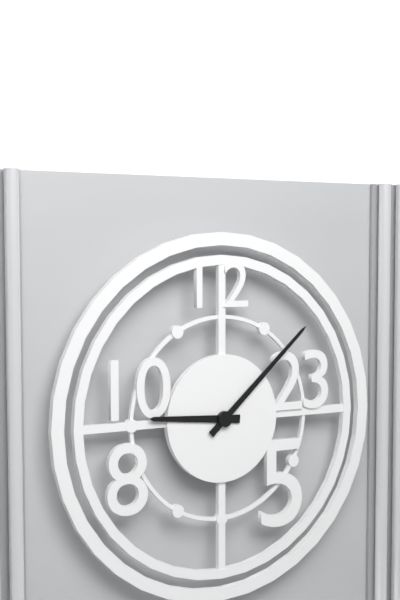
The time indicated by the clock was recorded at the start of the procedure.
9:08
